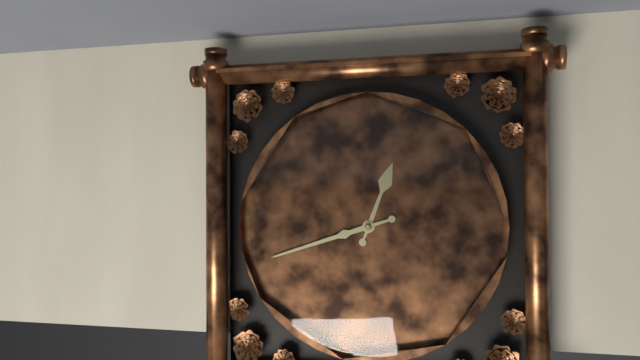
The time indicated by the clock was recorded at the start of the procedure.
12:42
